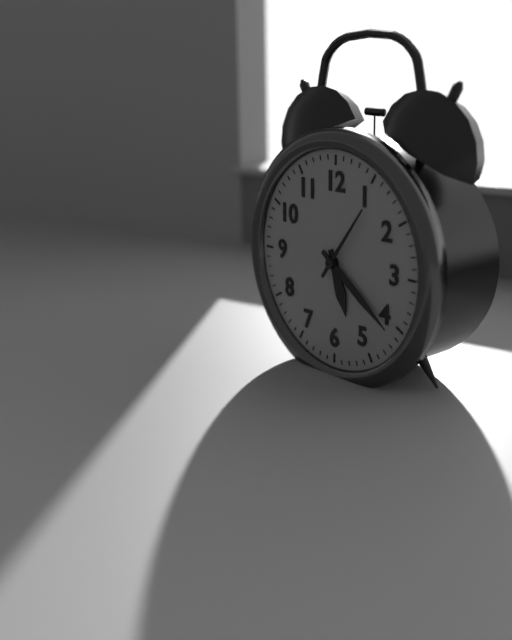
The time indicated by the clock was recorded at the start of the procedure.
5:21:06
